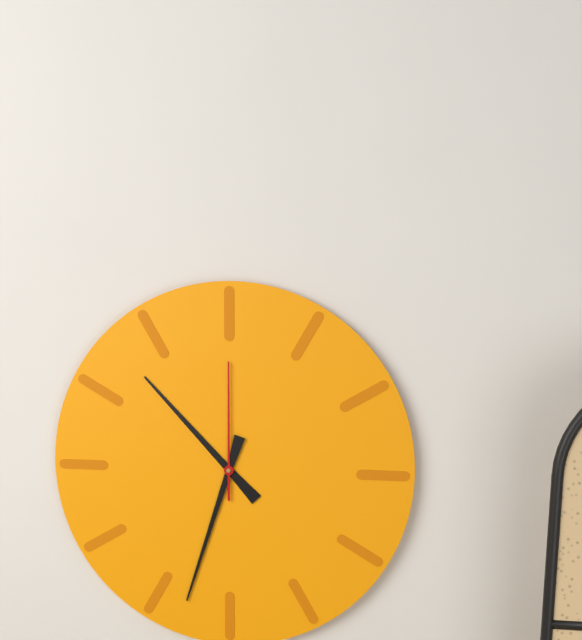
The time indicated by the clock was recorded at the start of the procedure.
10:33:00
